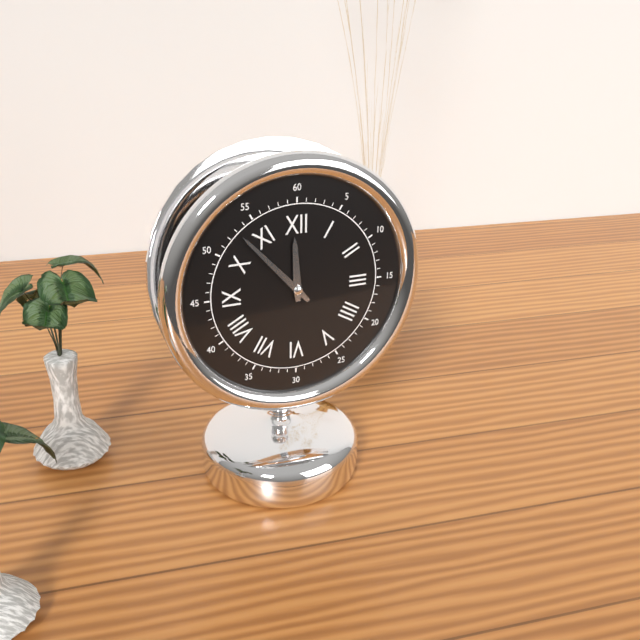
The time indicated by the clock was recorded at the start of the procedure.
11:53
